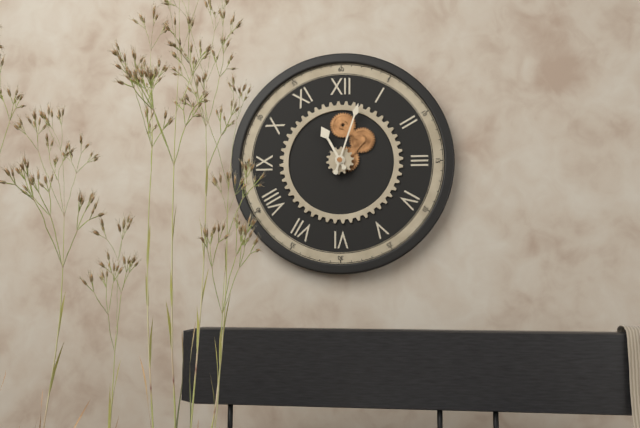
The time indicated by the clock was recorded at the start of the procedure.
11:03
